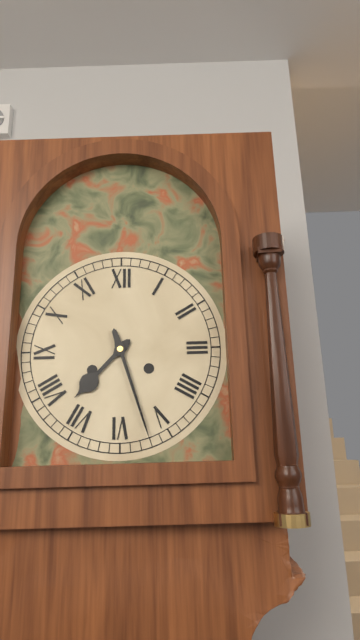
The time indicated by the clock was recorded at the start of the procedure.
7:27
